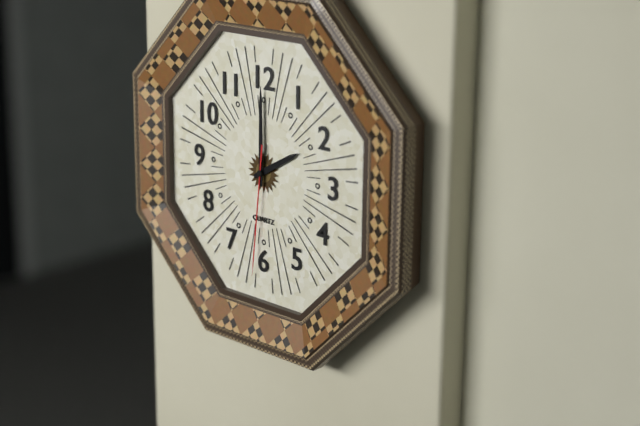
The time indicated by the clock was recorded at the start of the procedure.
2:00:31
